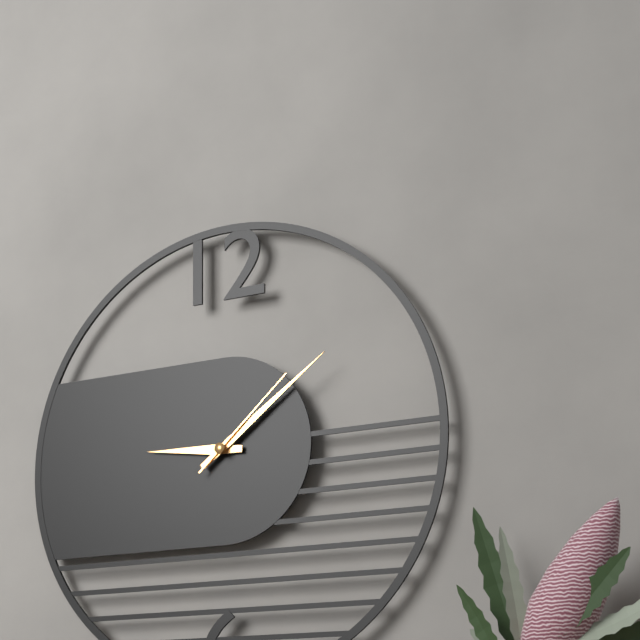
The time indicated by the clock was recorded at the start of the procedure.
9:09:08
